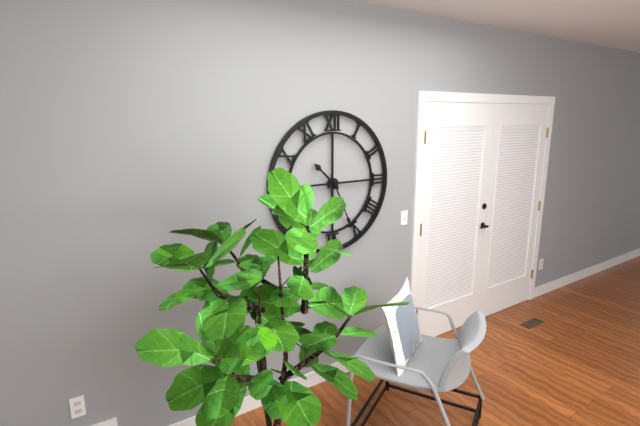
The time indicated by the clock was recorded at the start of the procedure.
10:26
